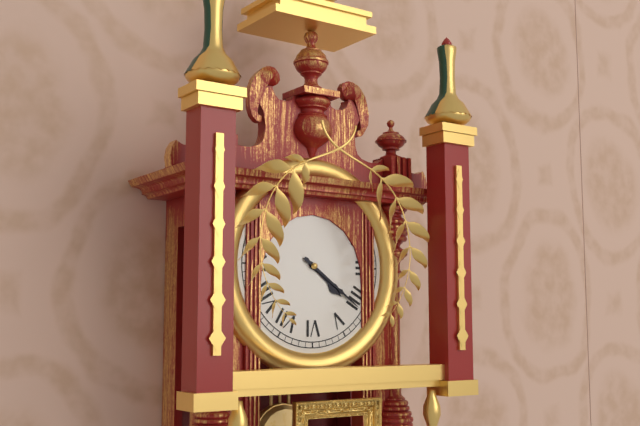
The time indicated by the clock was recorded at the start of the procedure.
4:21
